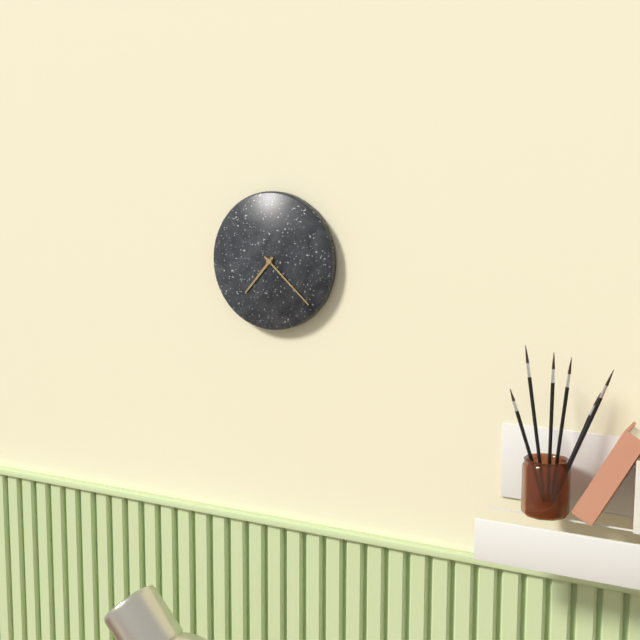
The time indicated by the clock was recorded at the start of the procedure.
7:22
